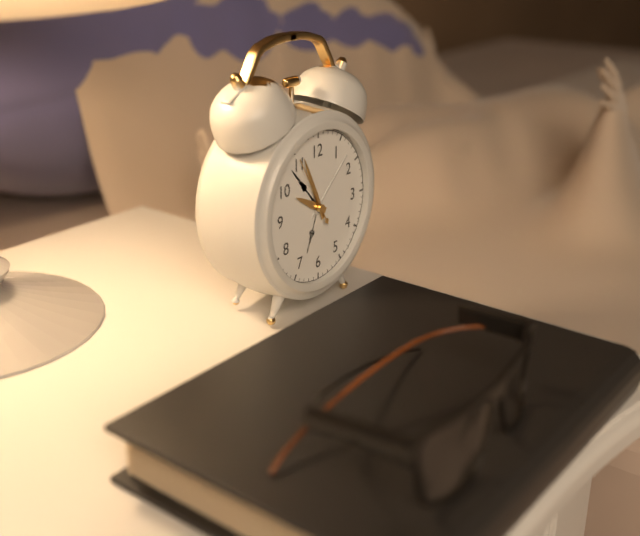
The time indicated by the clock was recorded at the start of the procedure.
9:56:55
